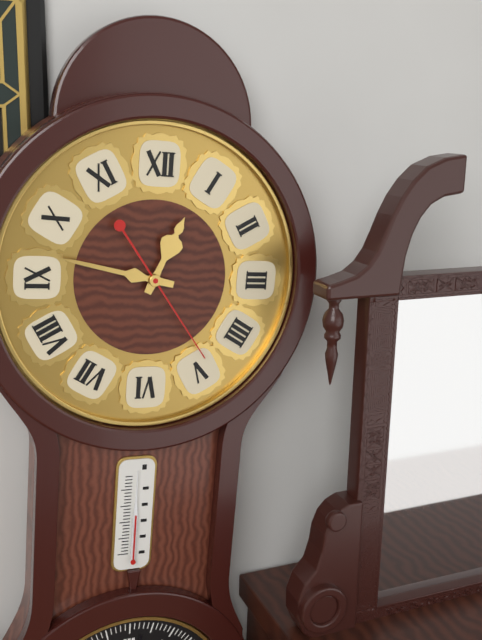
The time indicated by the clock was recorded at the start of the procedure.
12:47:24
